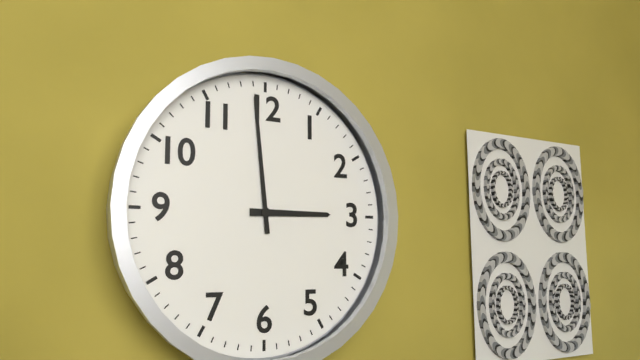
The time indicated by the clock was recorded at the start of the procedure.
2:59
